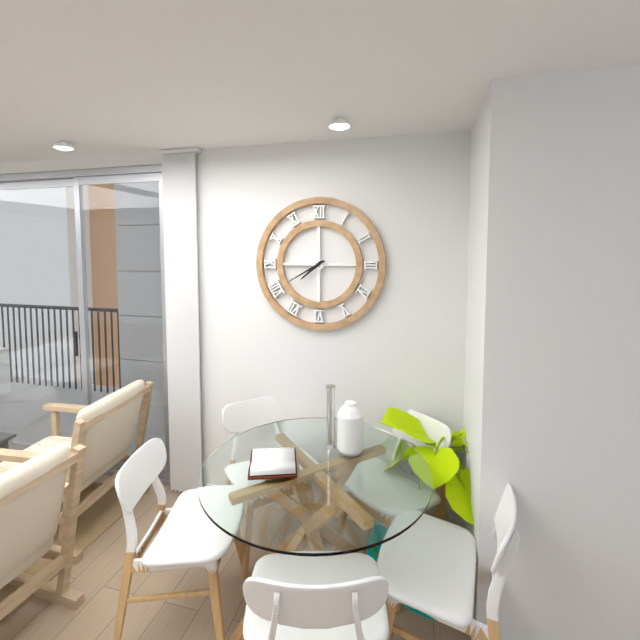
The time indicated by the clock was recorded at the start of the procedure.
7:40
